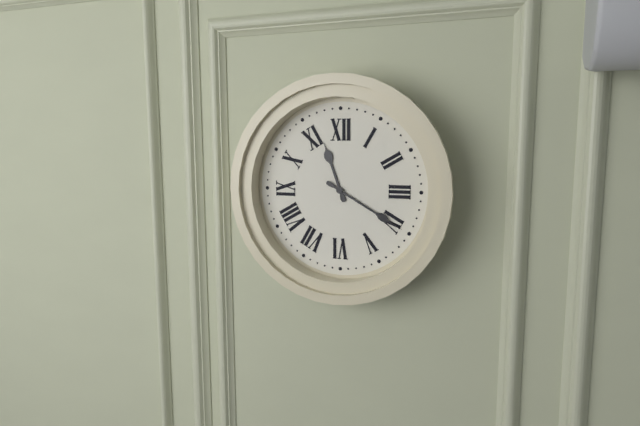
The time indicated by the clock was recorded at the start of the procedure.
11:20
